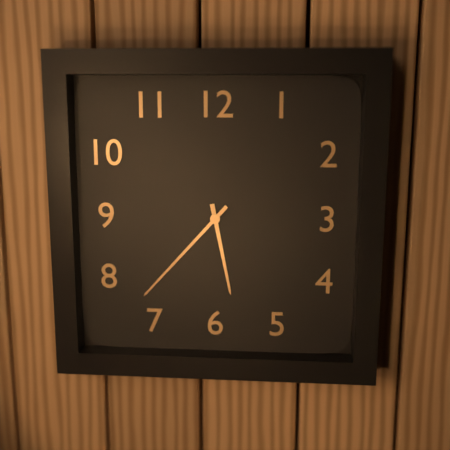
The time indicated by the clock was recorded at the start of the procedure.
5:37
